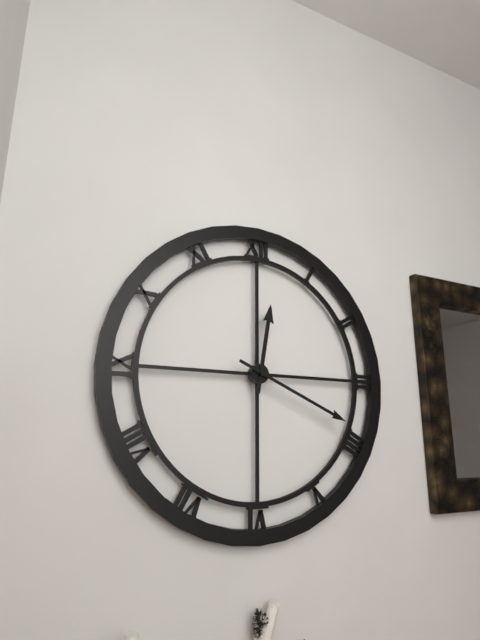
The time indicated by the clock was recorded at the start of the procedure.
12:19
